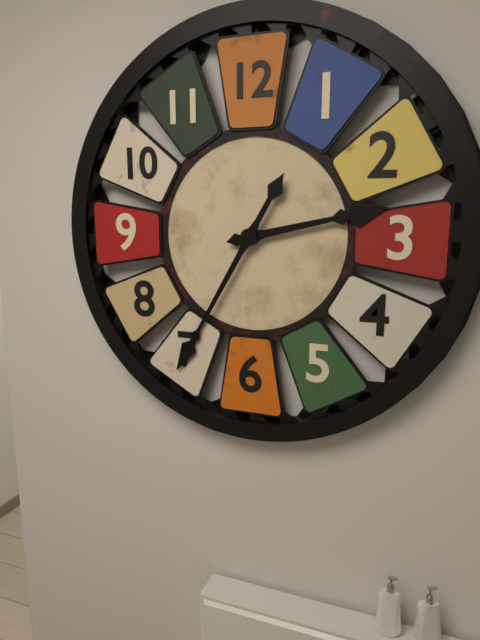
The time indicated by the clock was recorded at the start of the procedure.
2:35
